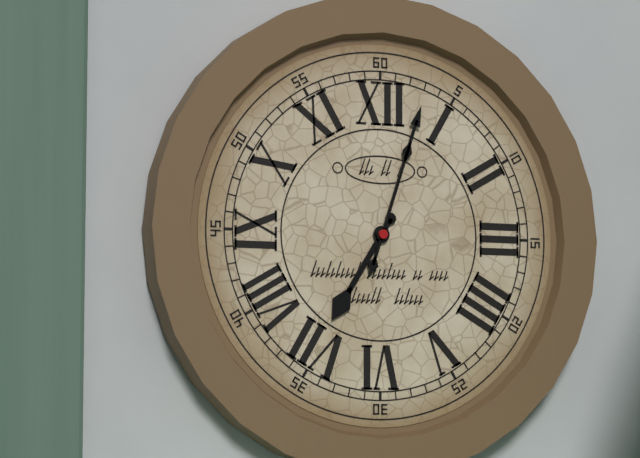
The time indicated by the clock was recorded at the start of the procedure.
7:03
